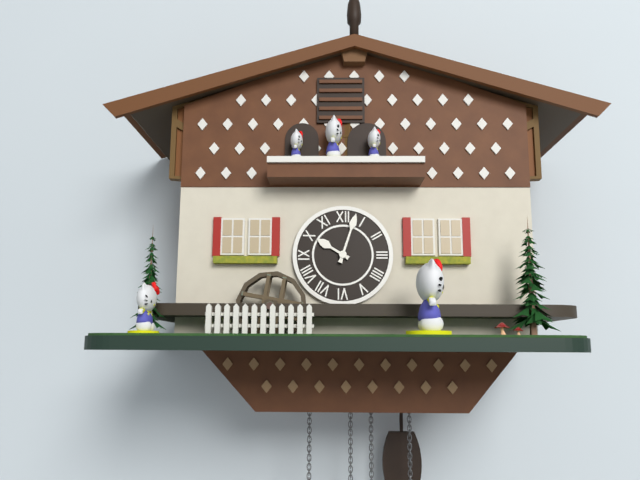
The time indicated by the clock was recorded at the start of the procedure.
10:03
